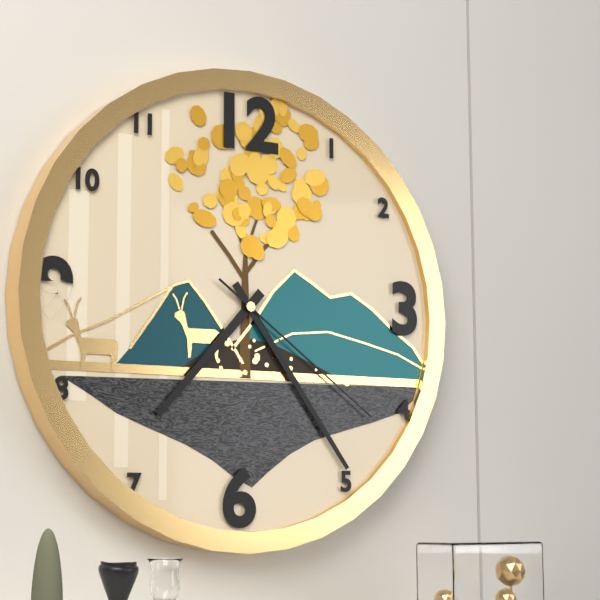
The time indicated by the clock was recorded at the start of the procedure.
7:24:21
